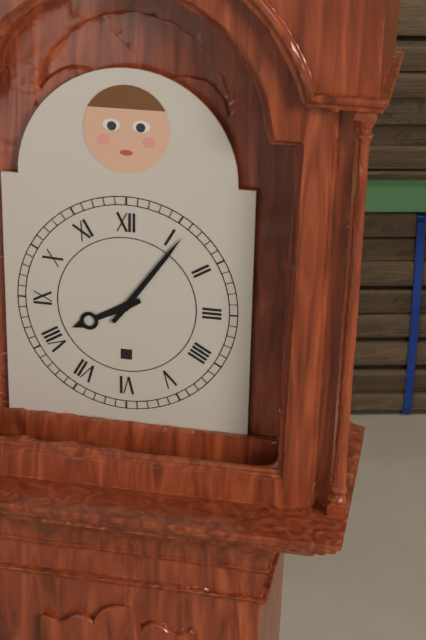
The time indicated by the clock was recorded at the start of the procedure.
8:06
